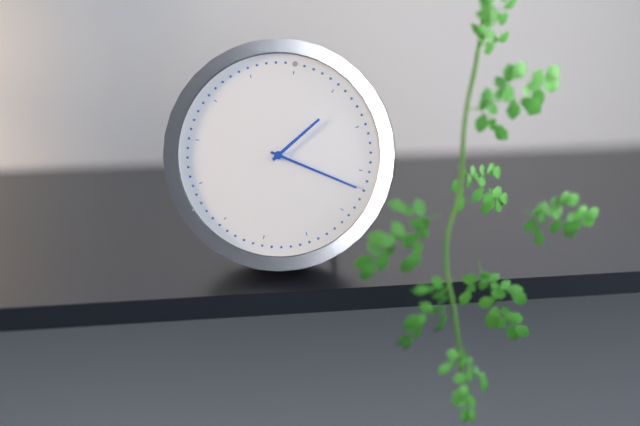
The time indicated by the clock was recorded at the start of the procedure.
1:17
